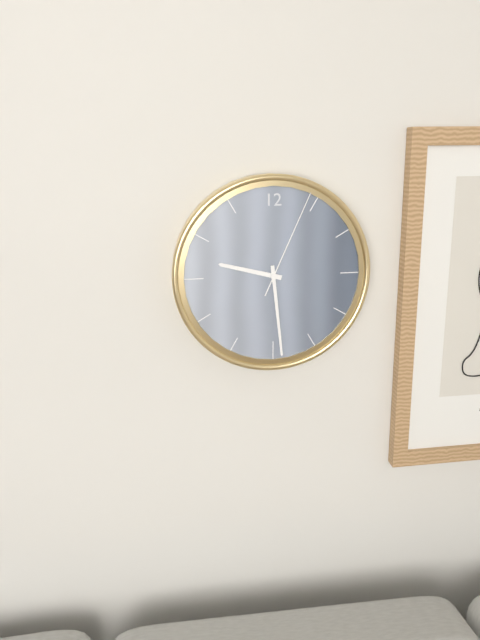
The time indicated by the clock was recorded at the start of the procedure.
9:29:04
